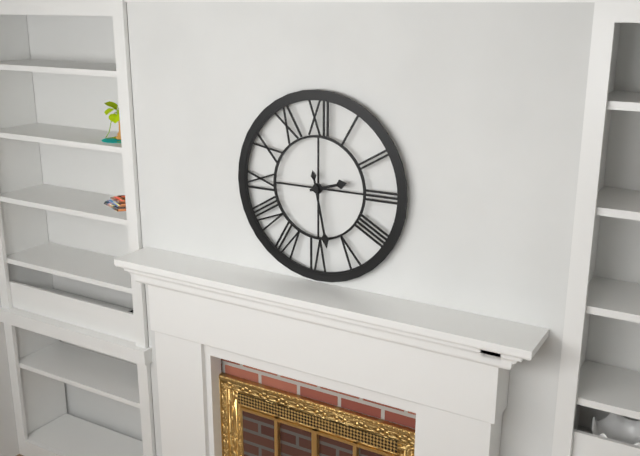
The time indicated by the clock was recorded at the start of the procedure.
2:28
